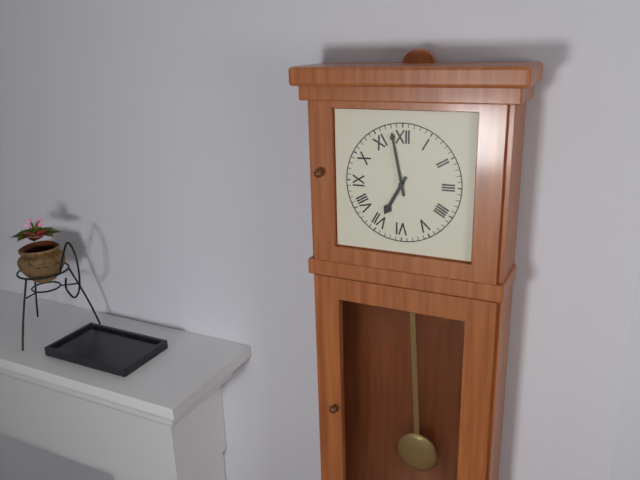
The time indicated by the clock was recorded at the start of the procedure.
6:58
